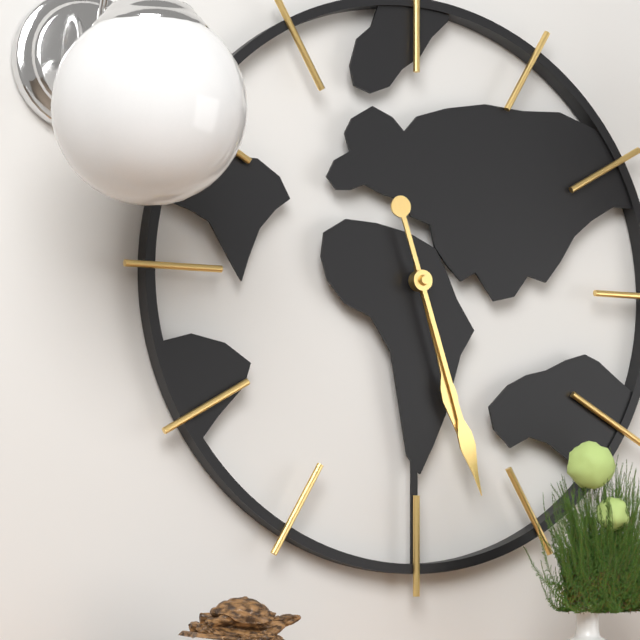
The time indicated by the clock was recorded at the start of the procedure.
5:27
